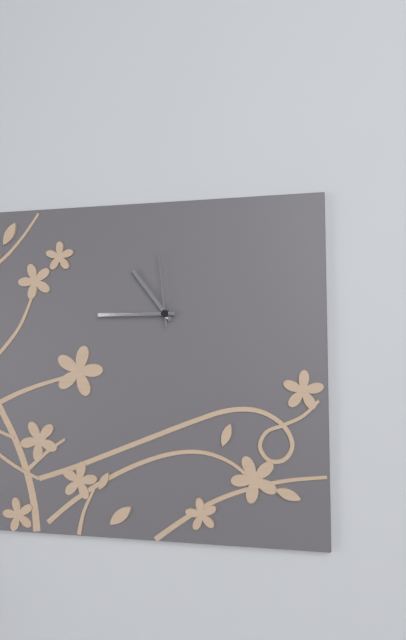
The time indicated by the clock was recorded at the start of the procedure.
10:45:59
